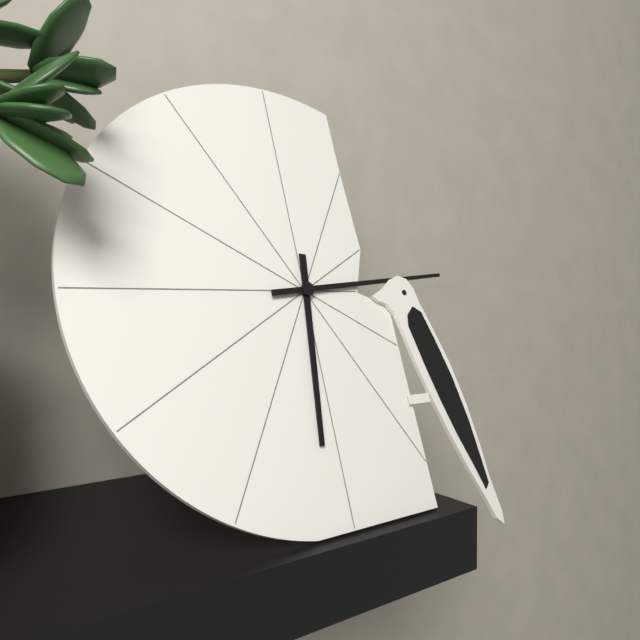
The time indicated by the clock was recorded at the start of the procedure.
6:14
